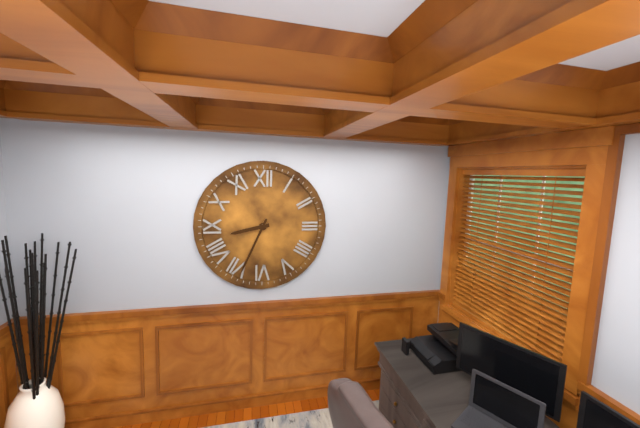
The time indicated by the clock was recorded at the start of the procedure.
8:34
